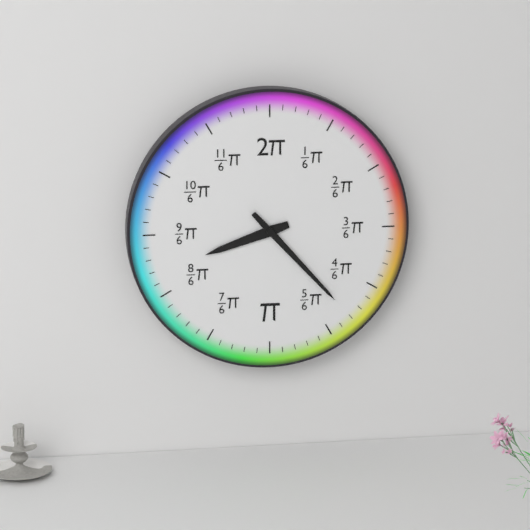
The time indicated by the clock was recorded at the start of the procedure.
8:23
